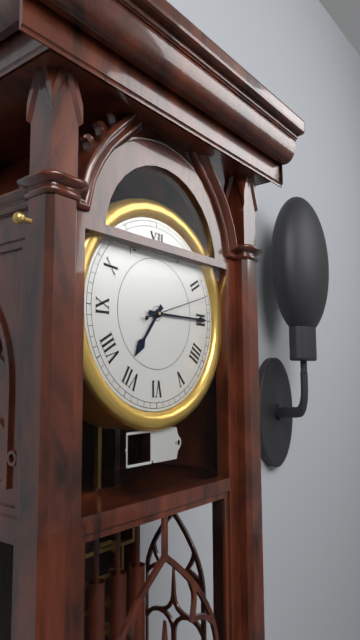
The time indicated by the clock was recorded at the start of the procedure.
7:15:12
